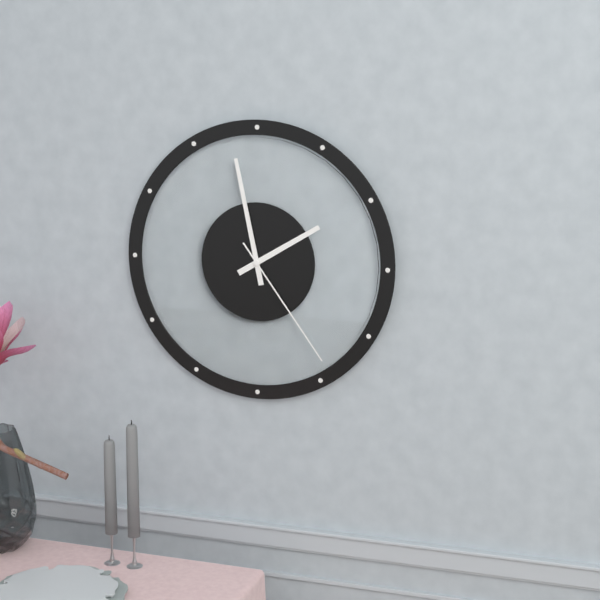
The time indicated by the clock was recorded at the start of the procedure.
1:58:24
